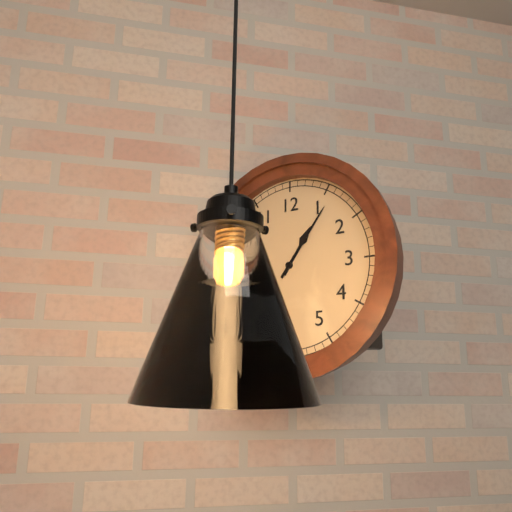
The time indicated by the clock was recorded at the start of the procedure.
1:06
